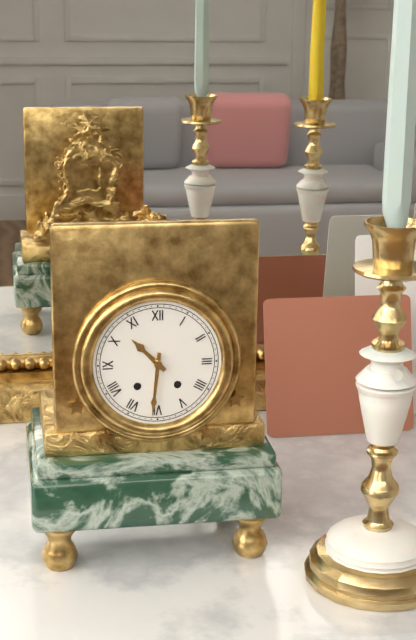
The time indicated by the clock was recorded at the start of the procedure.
10:31
